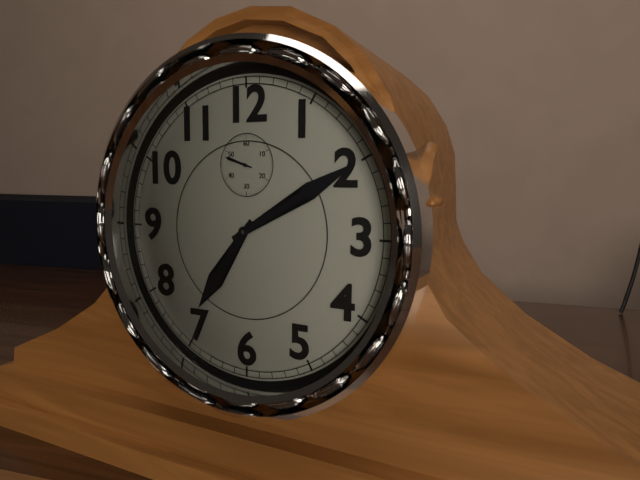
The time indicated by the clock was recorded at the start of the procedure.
7:10
